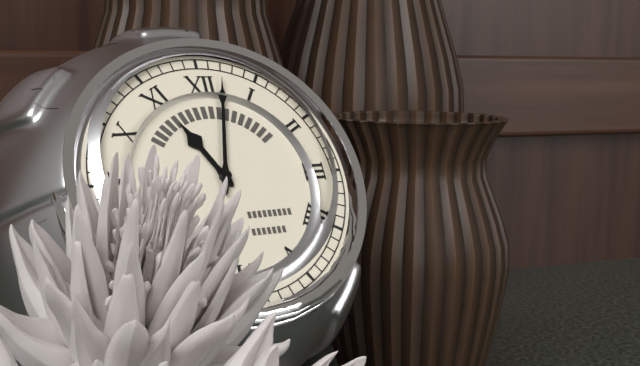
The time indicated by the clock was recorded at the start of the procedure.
11:02
